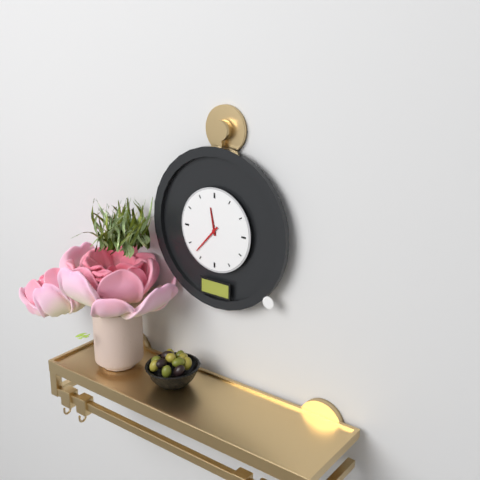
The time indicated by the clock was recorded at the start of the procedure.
11:37
